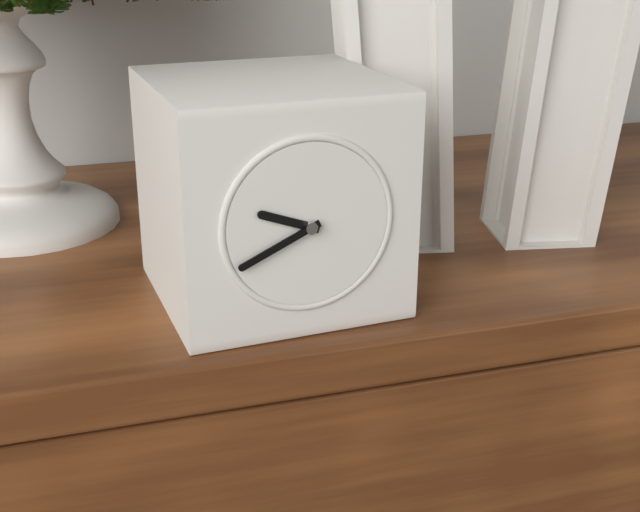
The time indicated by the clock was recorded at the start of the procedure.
9:41
